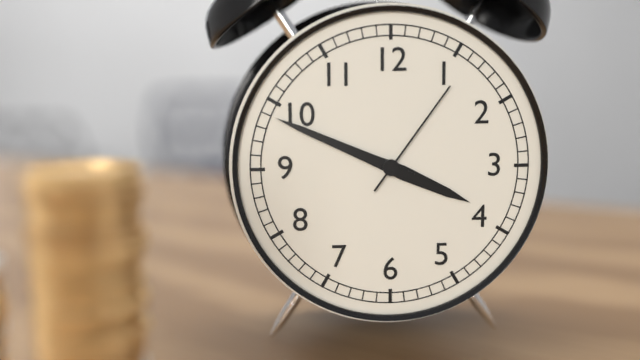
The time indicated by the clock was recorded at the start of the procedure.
3:49:06
